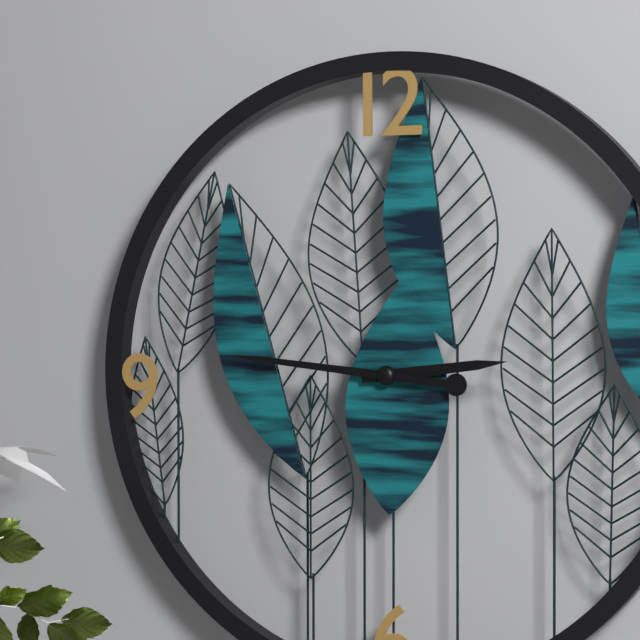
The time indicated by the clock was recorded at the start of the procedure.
2:46
